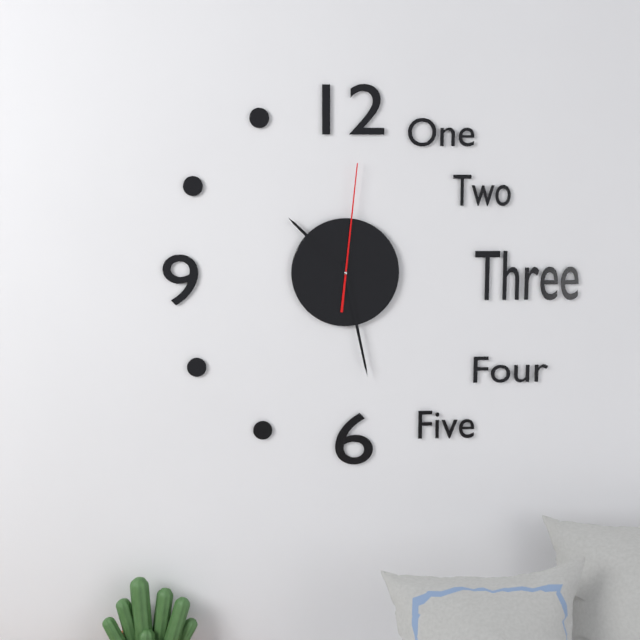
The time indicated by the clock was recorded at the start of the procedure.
10:28:01
